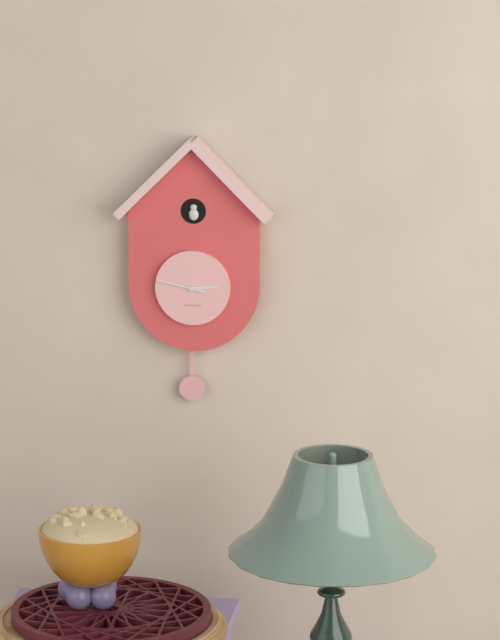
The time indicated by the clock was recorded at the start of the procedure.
2:47
